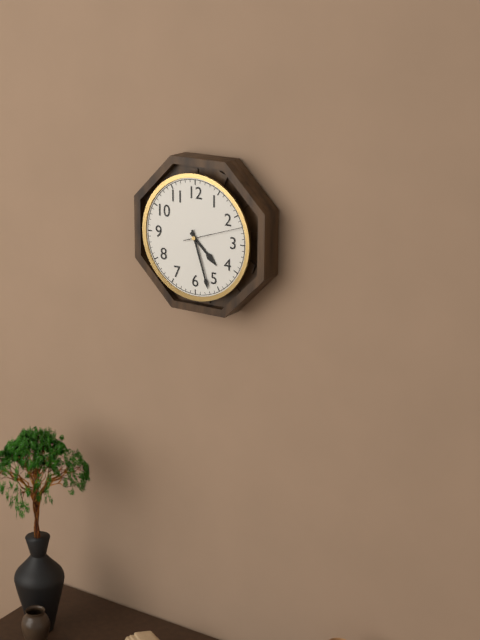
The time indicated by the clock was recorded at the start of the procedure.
4:27:12
